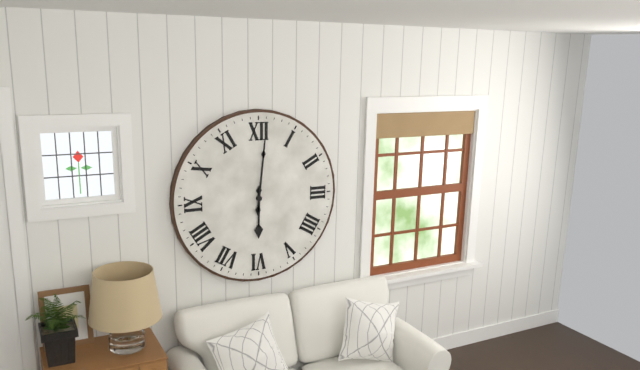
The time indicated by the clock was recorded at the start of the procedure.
6:01
